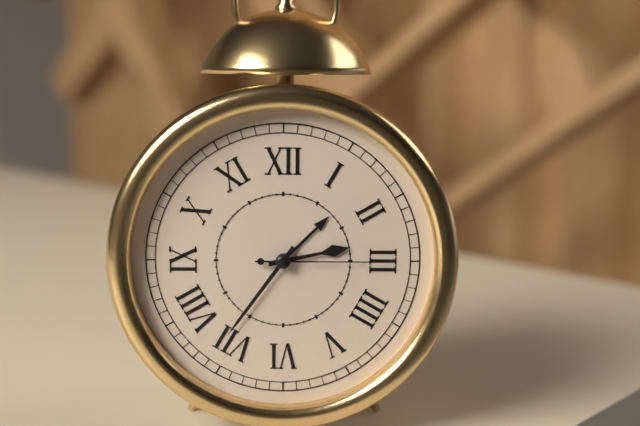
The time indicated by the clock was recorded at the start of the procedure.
2:36:15
